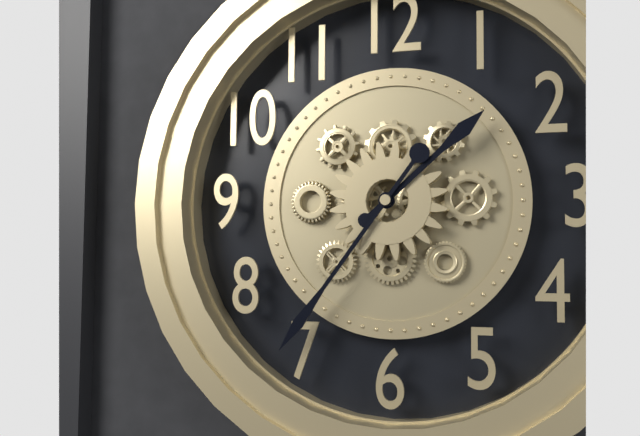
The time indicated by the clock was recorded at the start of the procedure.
1:36
